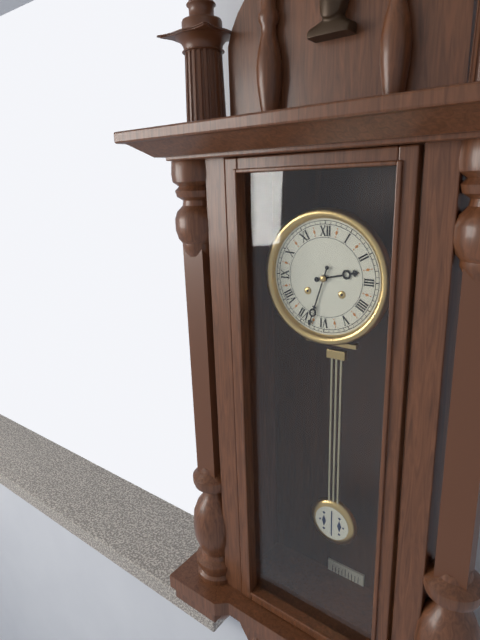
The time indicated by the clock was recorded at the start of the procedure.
2:33
